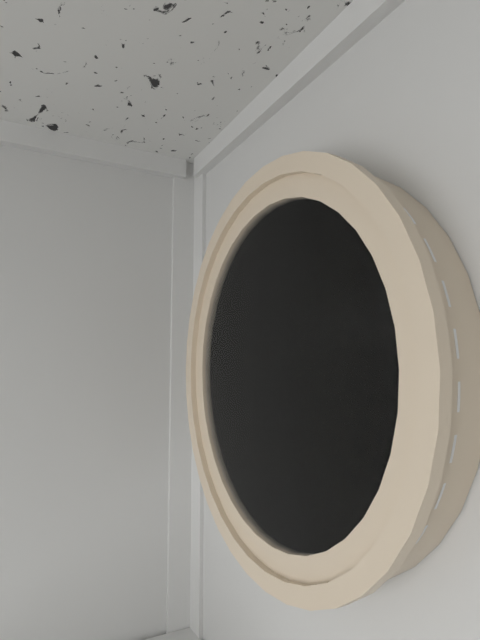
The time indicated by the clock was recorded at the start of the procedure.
6:03:47
